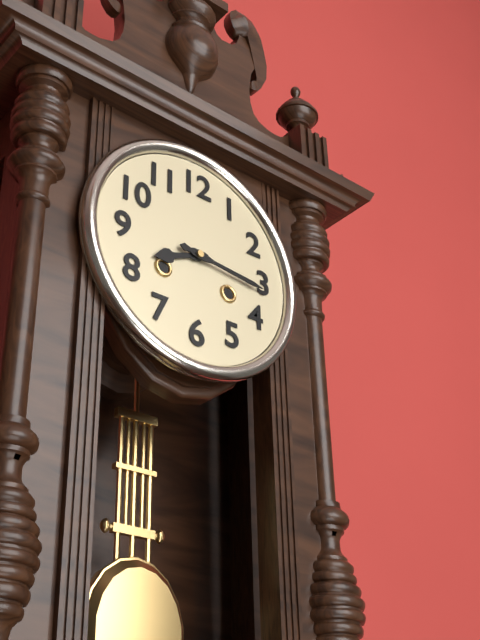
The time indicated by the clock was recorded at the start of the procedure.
8:16
